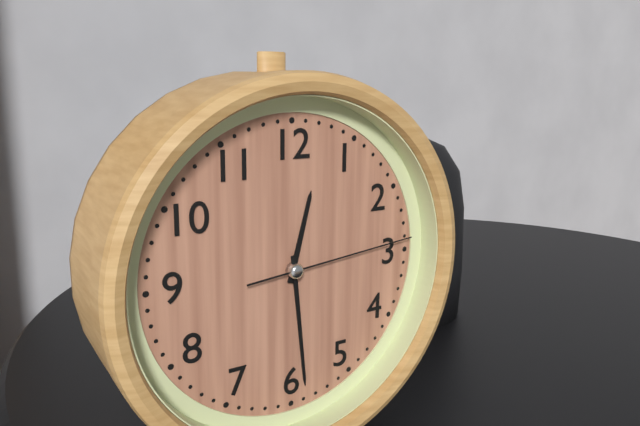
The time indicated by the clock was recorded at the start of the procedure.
12:29:14
